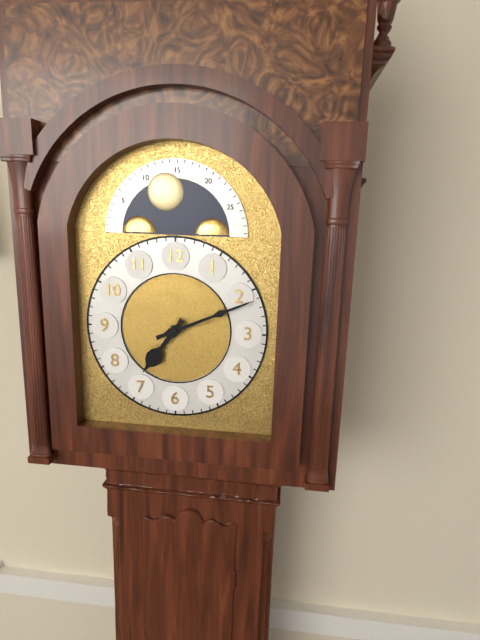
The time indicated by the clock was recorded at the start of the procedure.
7:11
